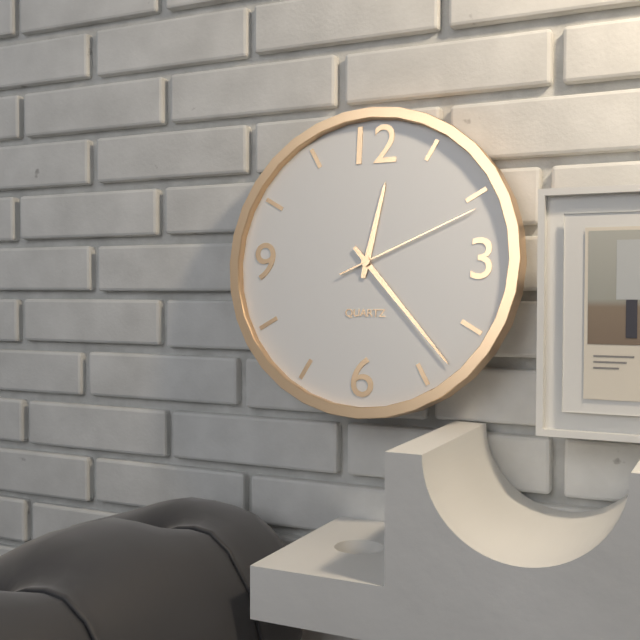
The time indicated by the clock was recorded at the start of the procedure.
12:23:11
